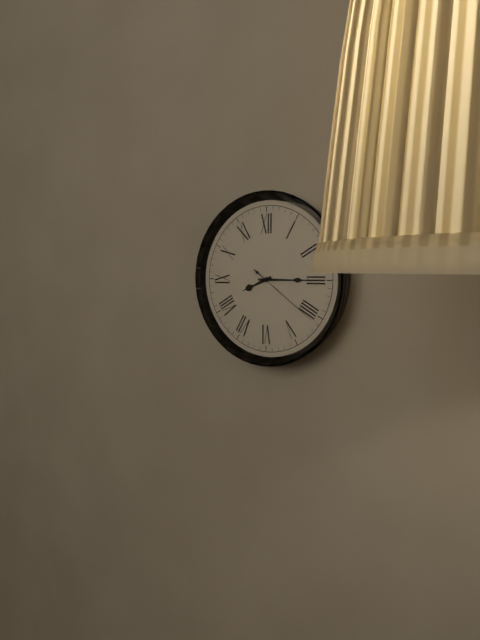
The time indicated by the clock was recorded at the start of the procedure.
8:15:21
